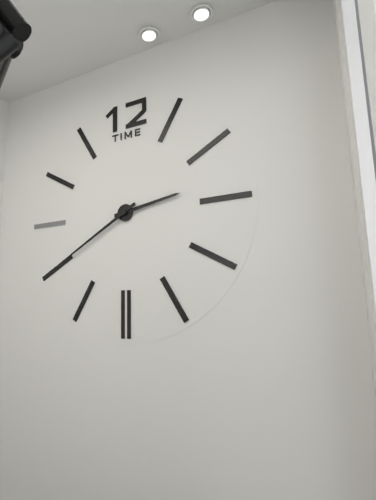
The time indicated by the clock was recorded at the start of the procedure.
2:40
